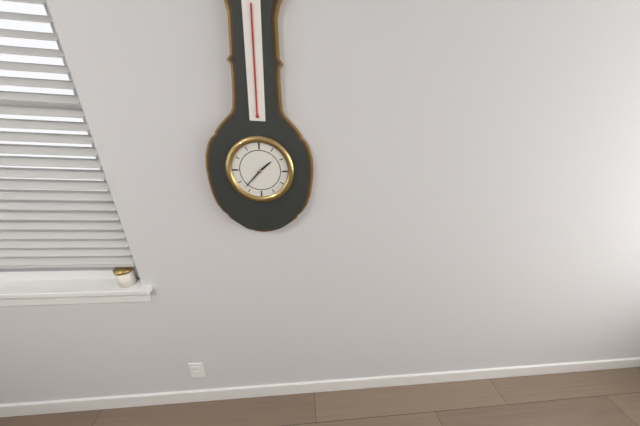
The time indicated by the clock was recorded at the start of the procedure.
1:37
